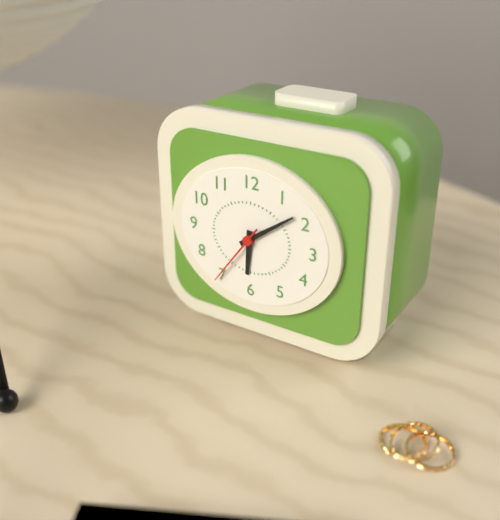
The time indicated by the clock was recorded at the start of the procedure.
6:09:36
